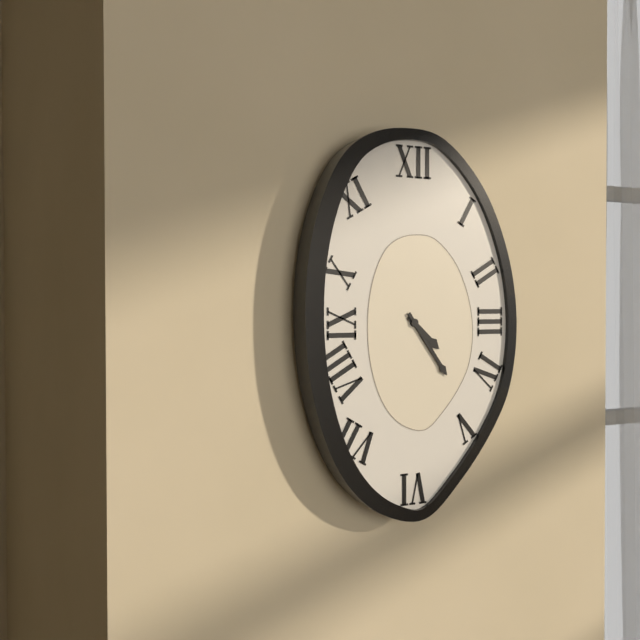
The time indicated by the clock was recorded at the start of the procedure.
4:24
